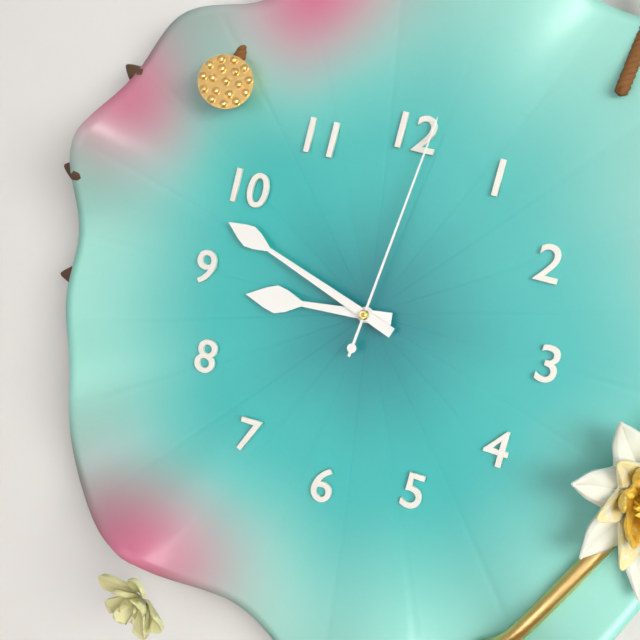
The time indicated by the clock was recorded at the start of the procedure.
8:48:01
